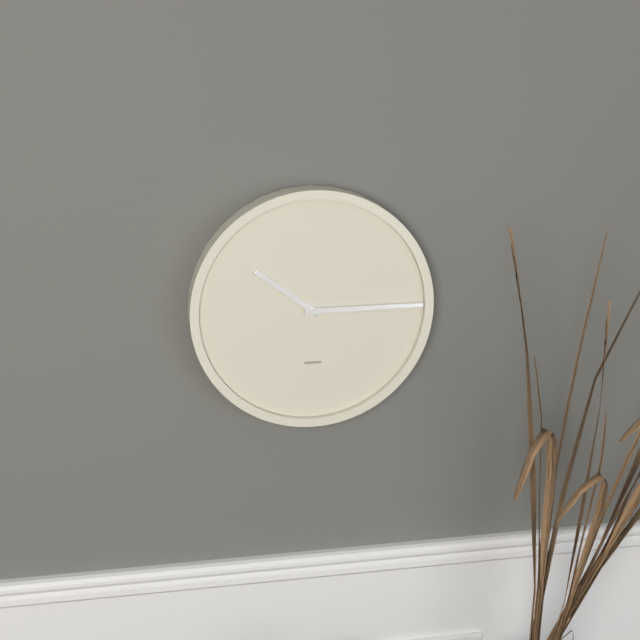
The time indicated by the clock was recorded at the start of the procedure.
10:15
